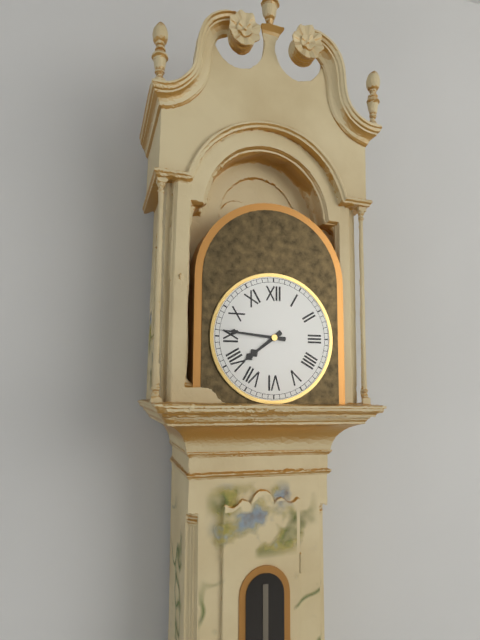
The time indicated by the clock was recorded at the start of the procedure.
7:46
